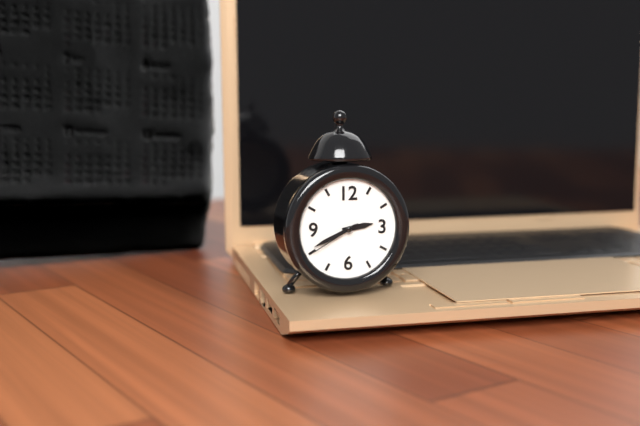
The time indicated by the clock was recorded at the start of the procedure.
2:41:40
